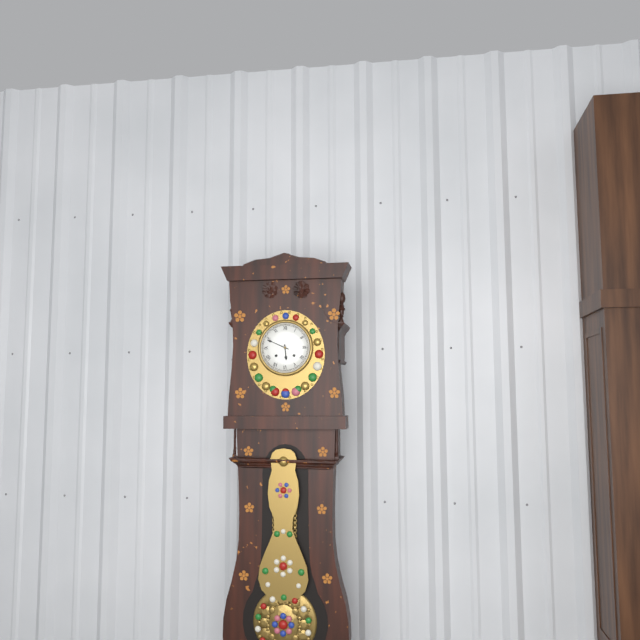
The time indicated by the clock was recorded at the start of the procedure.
5:49
